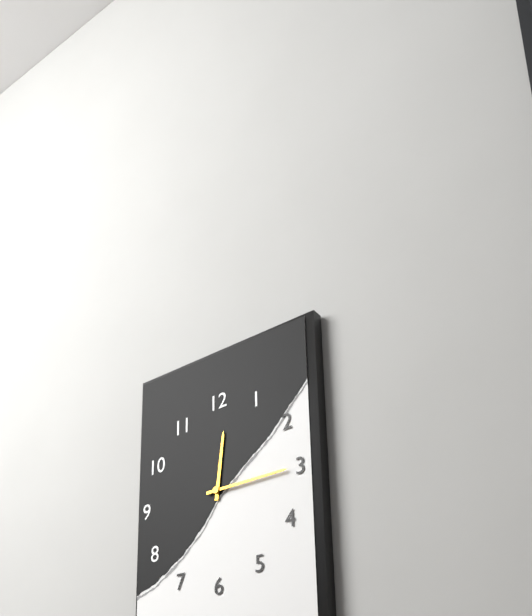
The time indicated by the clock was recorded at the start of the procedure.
12:15
